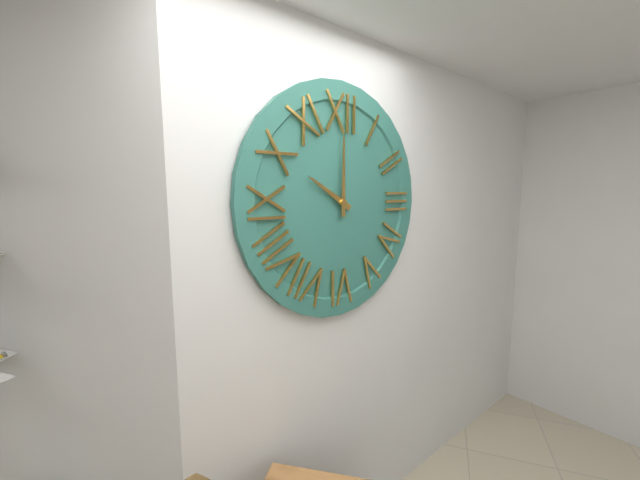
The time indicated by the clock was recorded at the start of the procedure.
10:00
